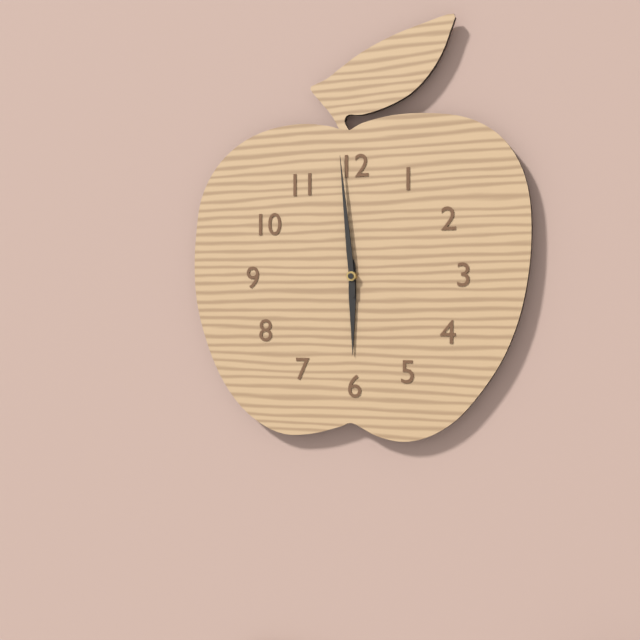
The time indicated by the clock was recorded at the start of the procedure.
5:59
